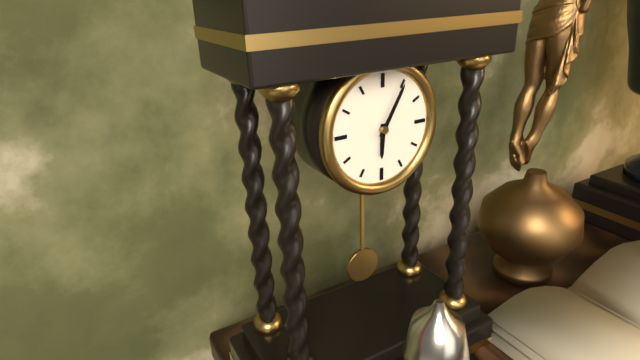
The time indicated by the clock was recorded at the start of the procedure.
6:05
